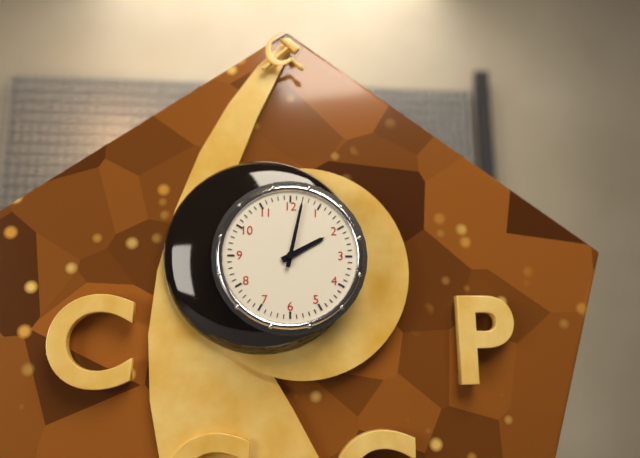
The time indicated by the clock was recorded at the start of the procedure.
2:02
